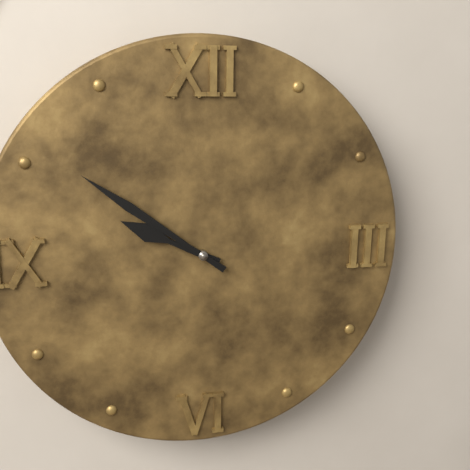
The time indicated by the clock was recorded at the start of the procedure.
9:51
